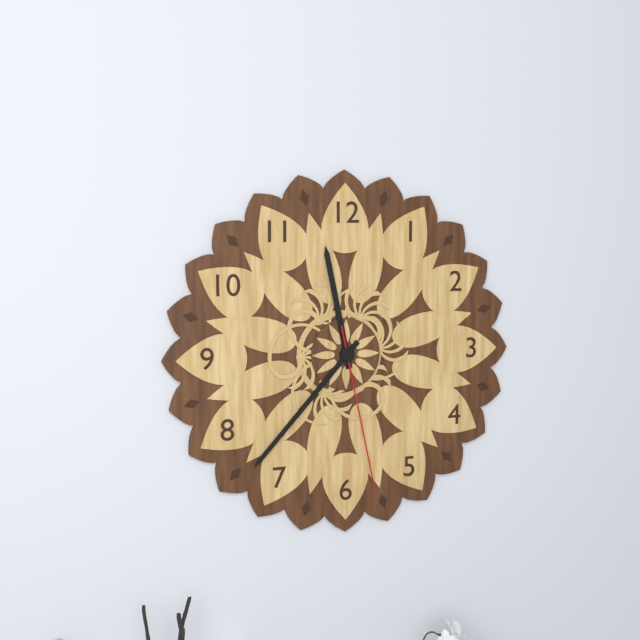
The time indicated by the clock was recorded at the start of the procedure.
11:37:28
